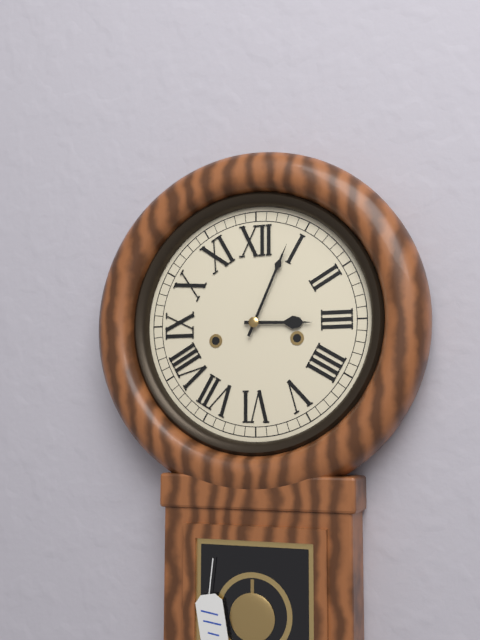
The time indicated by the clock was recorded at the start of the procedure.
3:04
